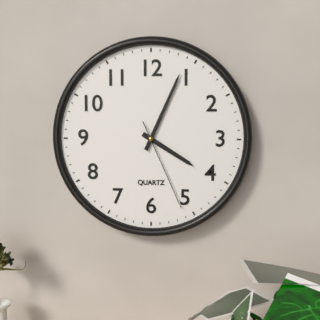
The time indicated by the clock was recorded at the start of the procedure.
4:04:26
